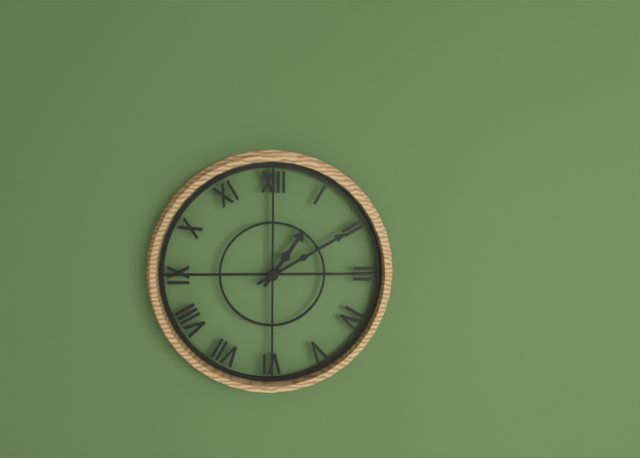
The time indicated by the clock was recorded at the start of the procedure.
1:10
